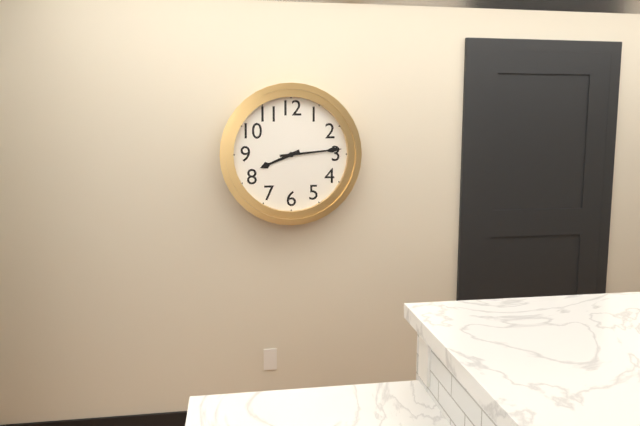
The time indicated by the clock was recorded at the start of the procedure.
8:14
